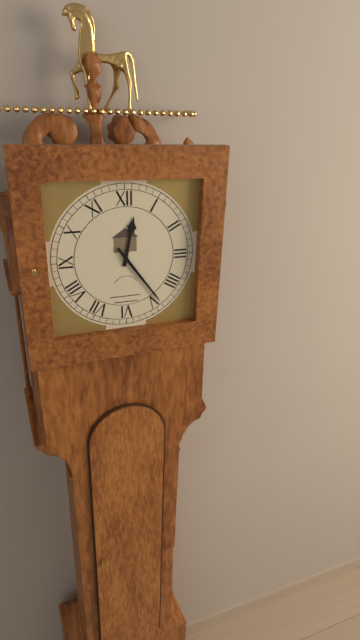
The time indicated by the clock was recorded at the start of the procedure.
12:24
